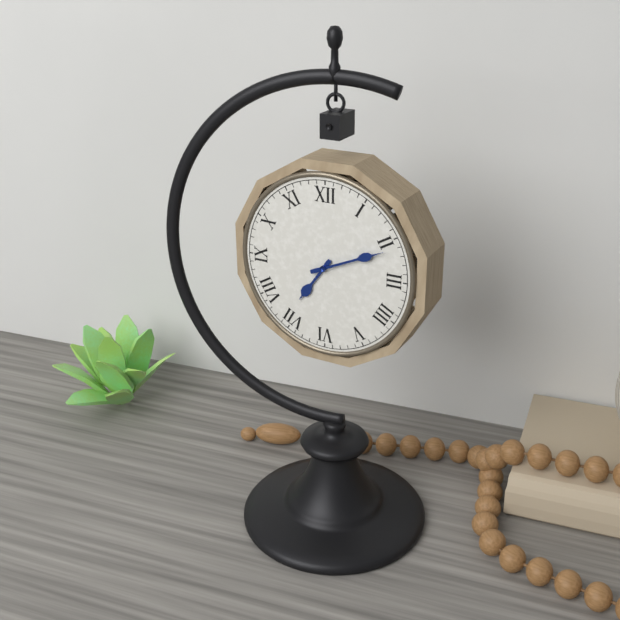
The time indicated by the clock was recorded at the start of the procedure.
7:11
